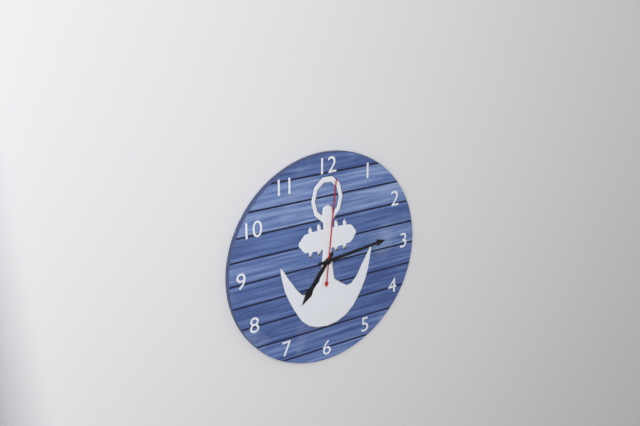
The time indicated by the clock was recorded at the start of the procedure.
7:14:01
